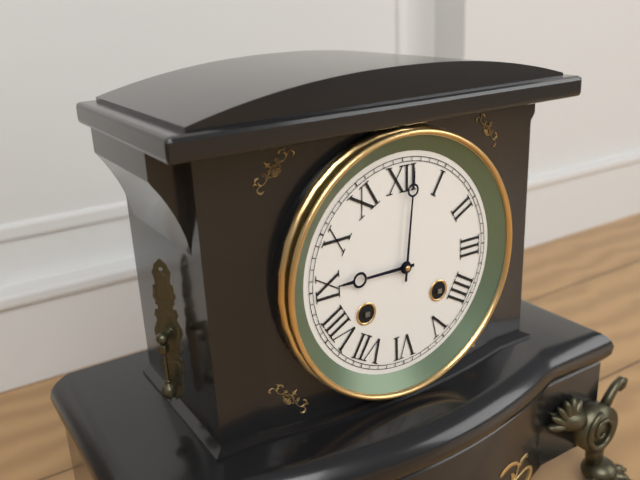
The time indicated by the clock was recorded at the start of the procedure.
9:01
